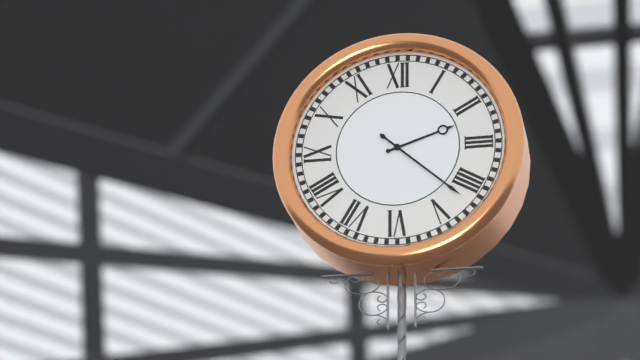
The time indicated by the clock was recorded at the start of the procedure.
2:22
